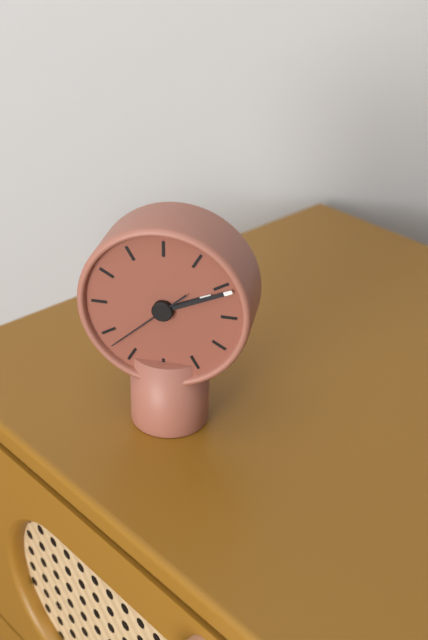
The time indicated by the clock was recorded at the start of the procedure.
2:11:38
